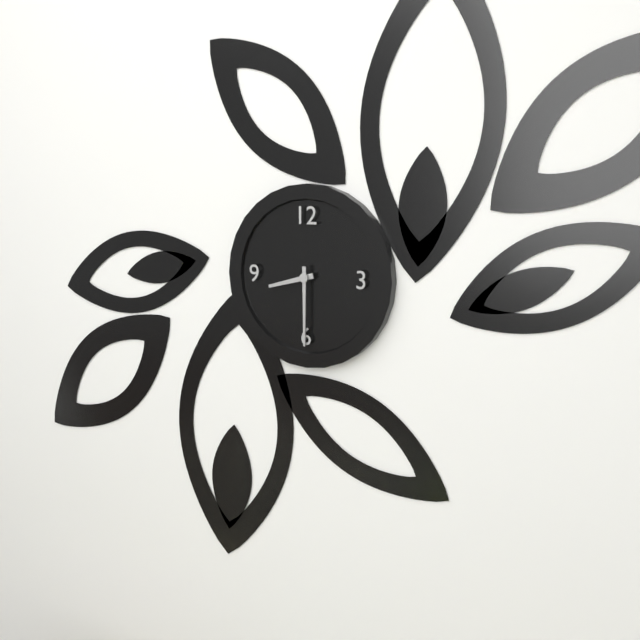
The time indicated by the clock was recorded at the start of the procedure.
8:30
